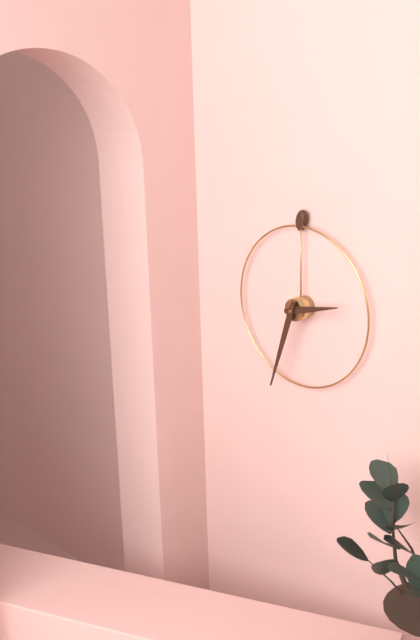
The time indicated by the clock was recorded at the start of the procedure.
2:33
